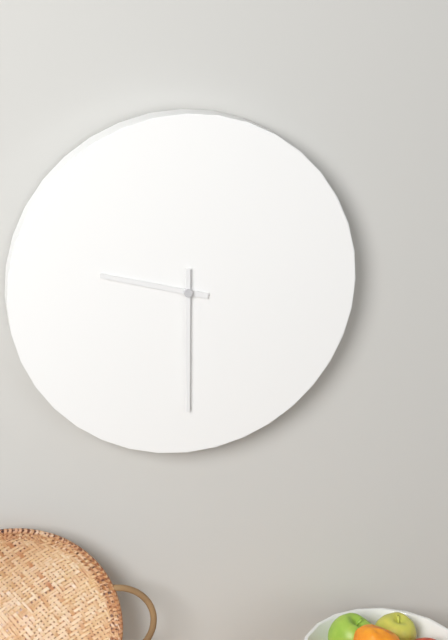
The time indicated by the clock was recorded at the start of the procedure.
9:30
